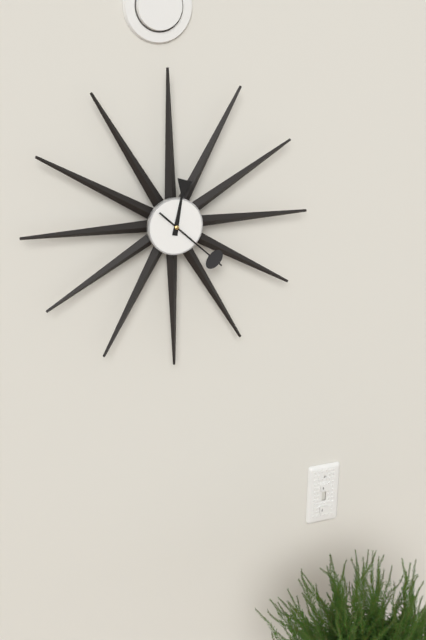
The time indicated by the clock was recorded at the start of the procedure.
12:22
